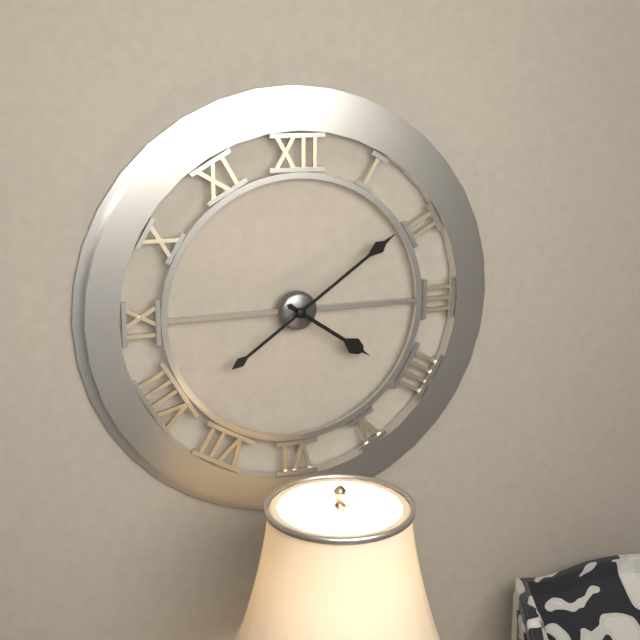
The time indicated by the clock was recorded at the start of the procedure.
4:09
